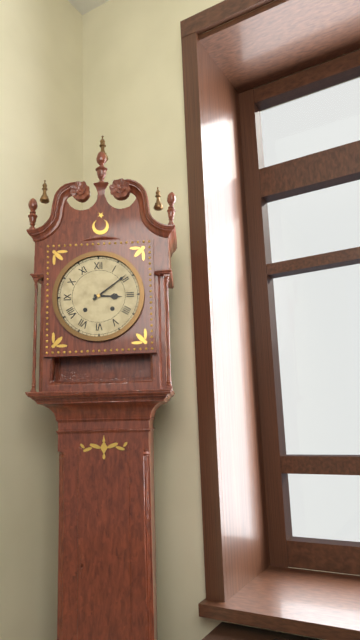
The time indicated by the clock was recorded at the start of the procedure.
3:09
